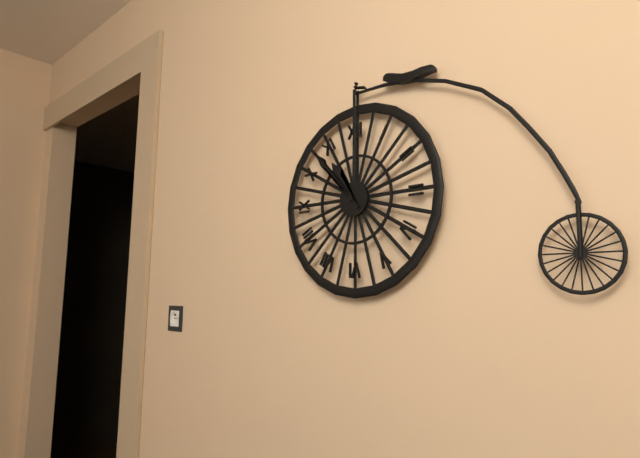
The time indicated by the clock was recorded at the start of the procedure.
10:53
